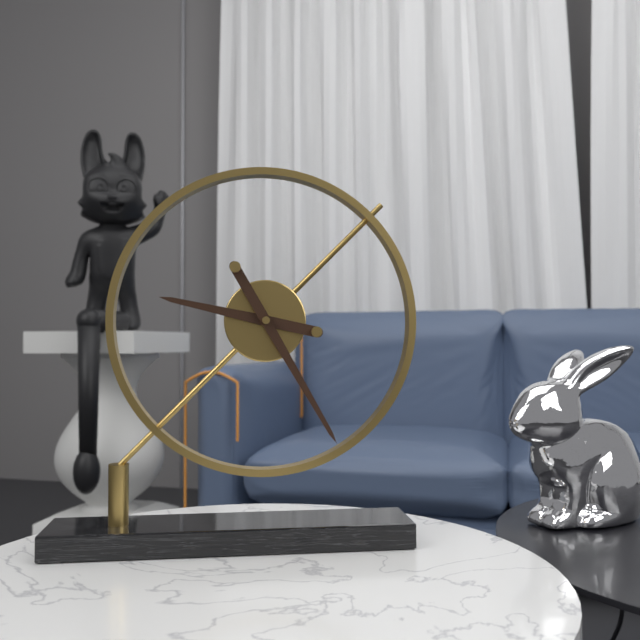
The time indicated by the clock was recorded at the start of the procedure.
9:25
